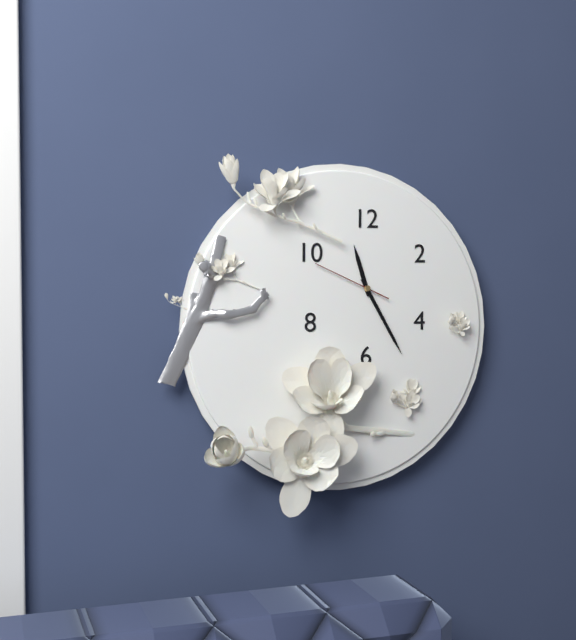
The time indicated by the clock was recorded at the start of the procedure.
11:25:49
